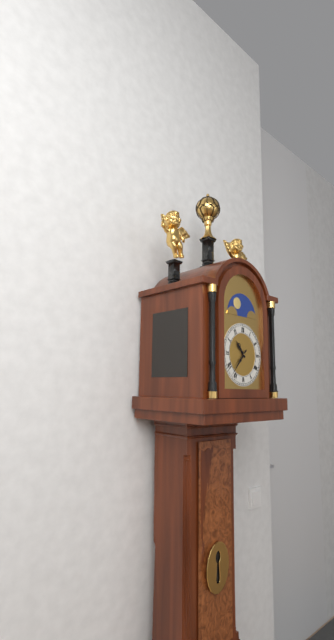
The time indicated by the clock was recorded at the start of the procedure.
10:37
